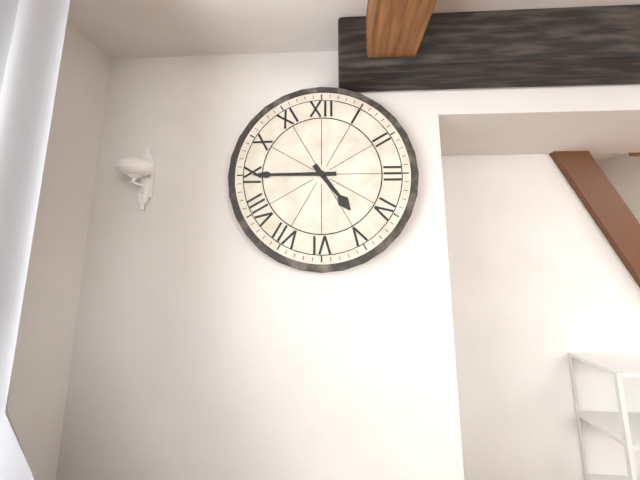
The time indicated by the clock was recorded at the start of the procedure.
4:45
